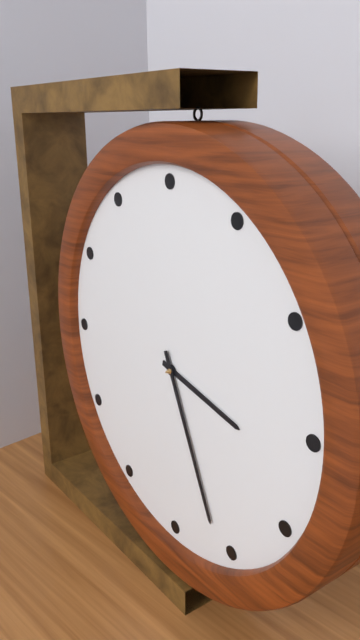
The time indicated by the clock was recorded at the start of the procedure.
3:26
